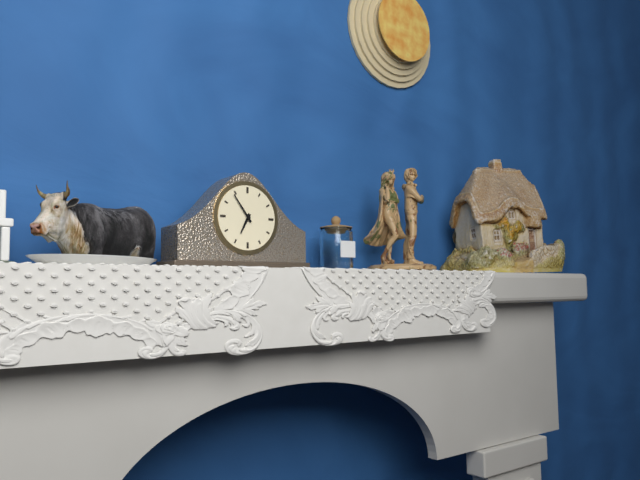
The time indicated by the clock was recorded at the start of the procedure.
6:54
